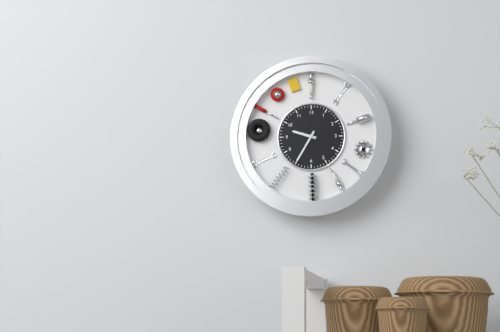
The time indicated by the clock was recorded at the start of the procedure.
9:35
